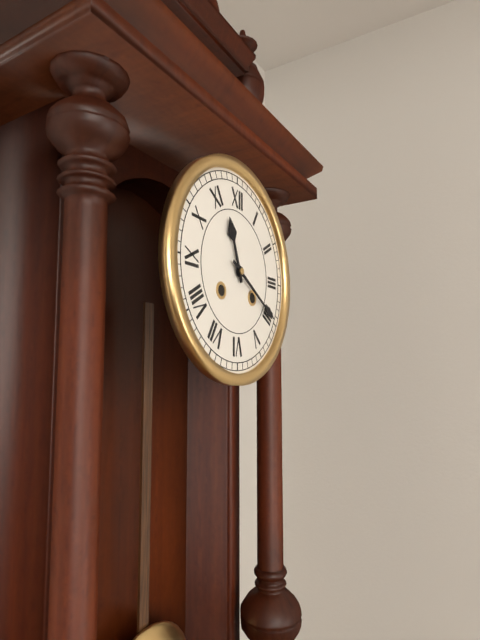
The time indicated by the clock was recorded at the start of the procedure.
11:20
